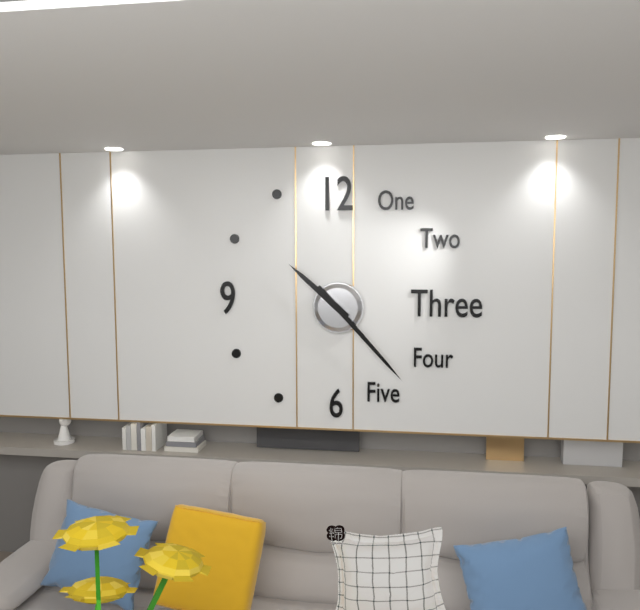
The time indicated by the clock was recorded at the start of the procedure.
10:23
